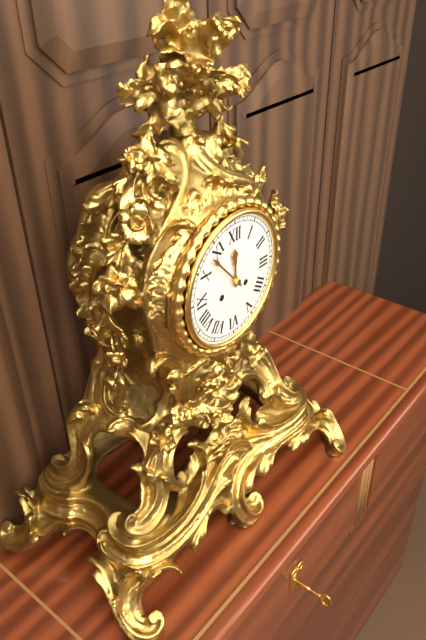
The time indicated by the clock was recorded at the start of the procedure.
11:53
